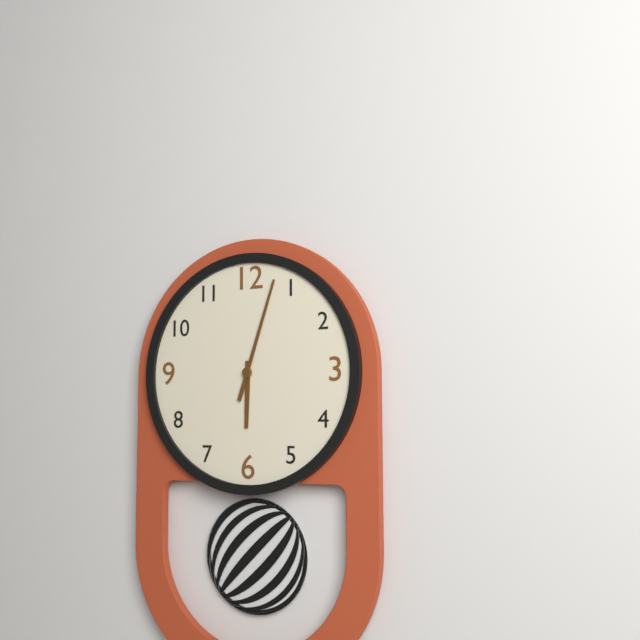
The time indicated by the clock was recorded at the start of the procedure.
6:03
